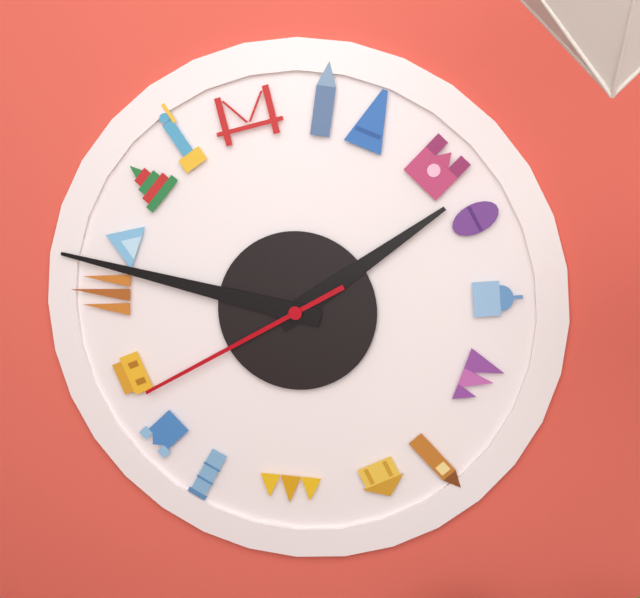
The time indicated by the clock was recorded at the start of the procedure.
1:47:40
